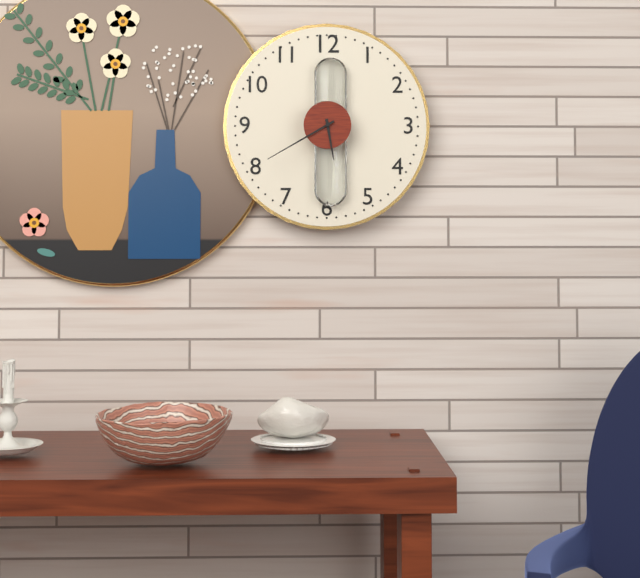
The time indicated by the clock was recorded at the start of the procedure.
5:40
